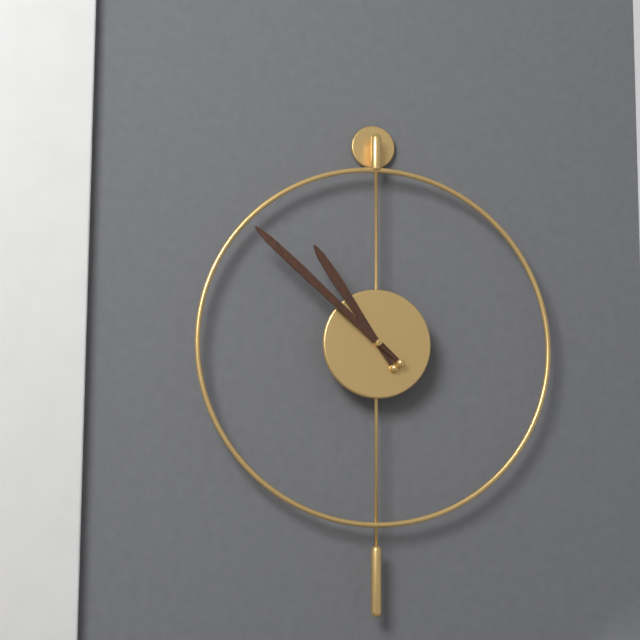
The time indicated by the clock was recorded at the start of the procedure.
10:52
